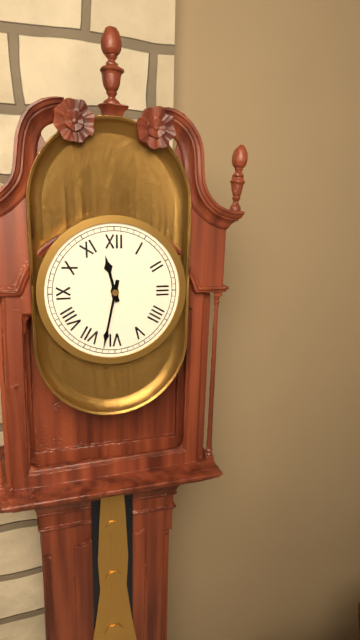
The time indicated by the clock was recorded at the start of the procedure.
11:32
